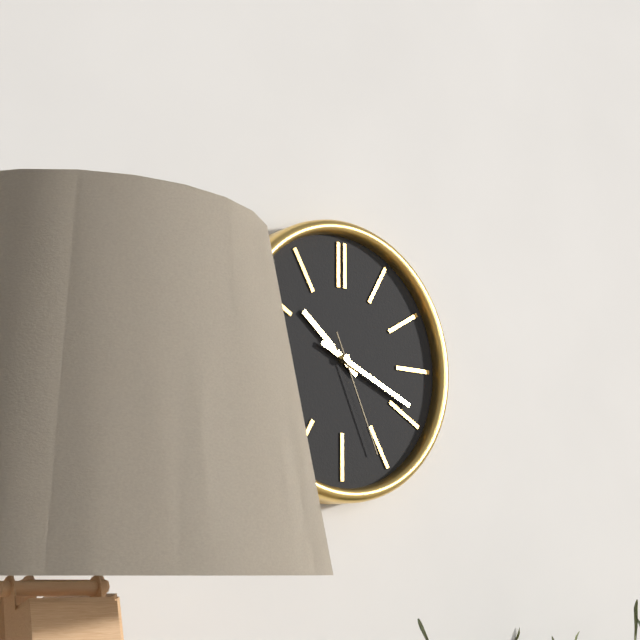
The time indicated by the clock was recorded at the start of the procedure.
10:19:26
